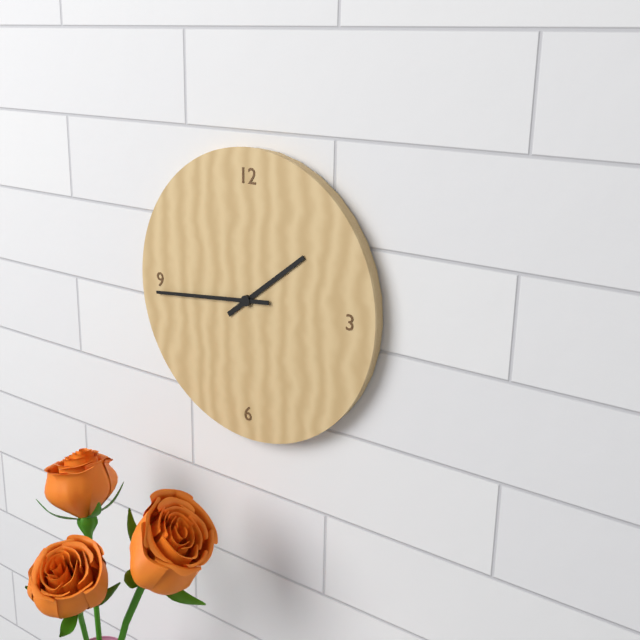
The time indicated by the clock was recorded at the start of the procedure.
1:44
